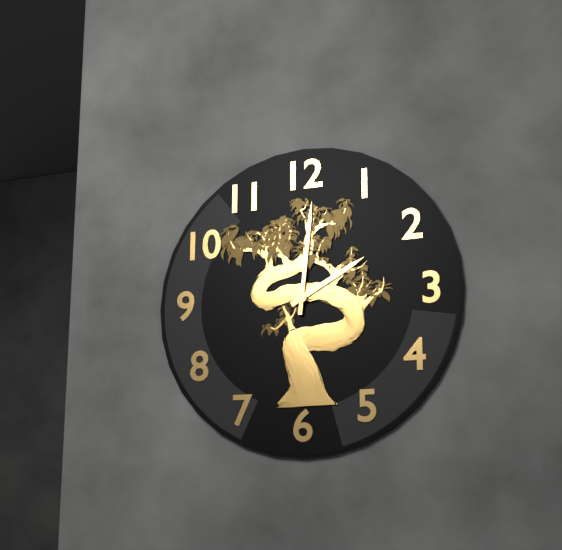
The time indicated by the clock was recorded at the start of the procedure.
2:01
